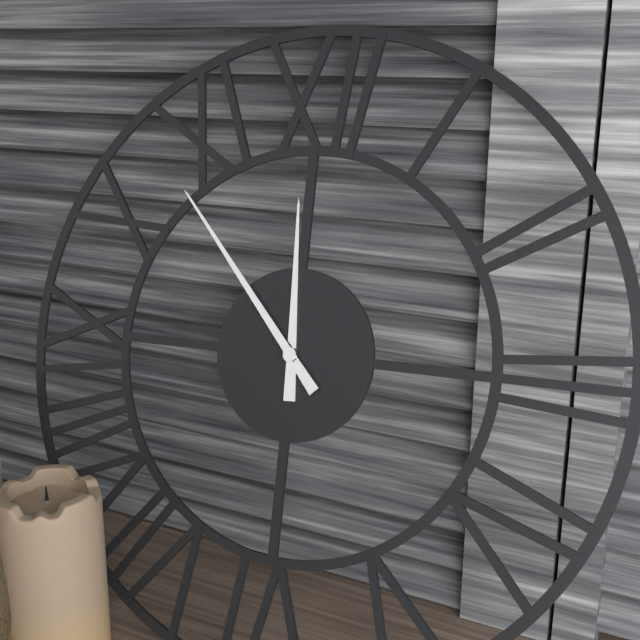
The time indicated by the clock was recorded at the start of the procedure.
11:53
